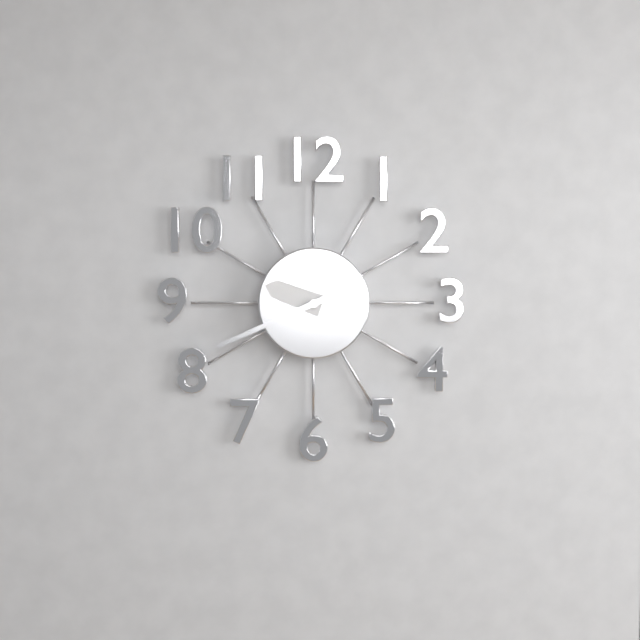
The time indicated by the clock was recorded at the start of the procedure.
9:41
